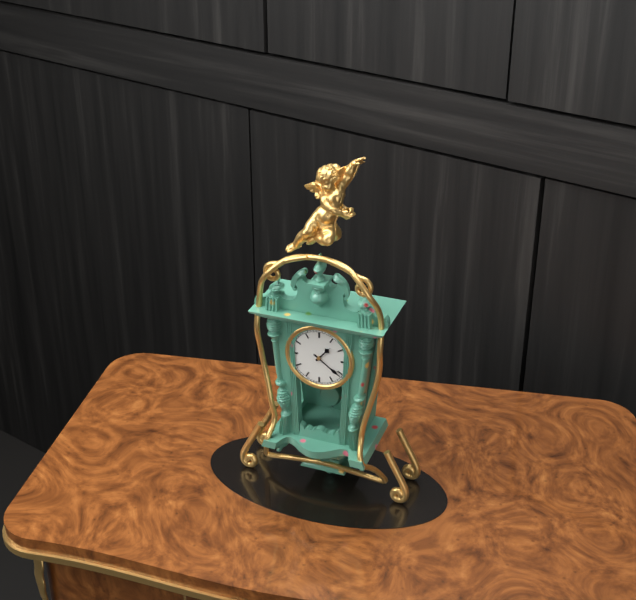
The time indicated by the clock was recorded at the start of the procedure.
1:21
